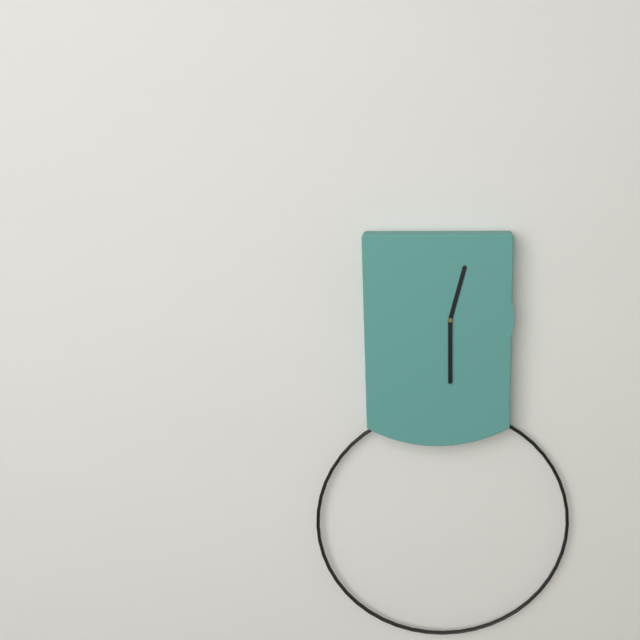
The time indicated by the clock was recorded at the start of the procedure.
12:30
